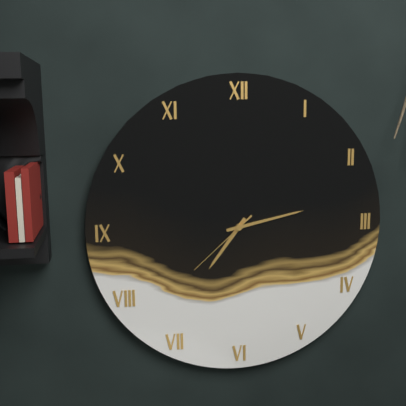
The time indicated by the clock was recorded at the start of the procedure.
7:13:38
